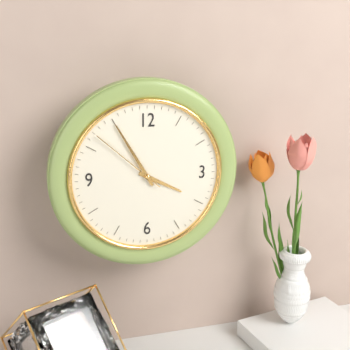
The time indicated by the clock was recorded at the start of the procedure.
3:55:52
